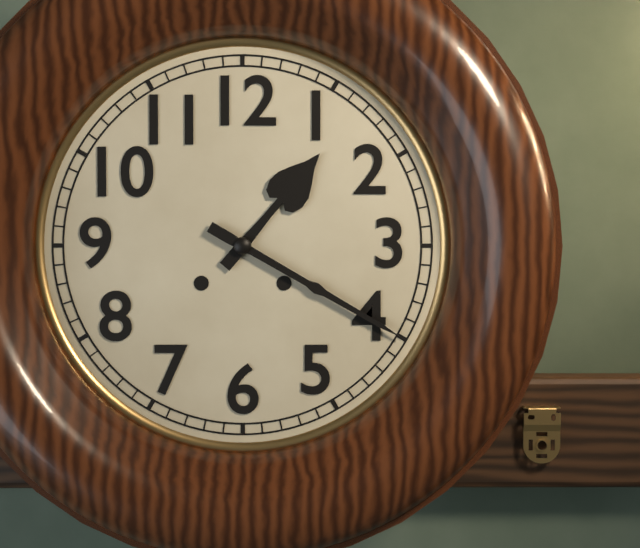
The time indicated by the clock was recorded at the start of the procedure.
1:20
